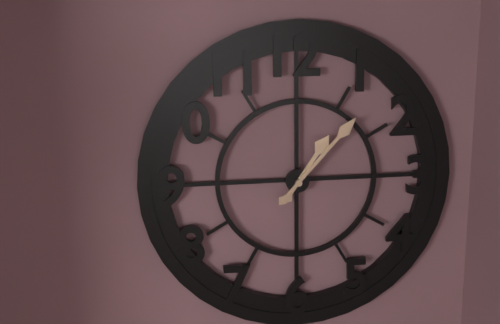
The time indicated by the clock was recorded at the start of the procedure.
1:07
